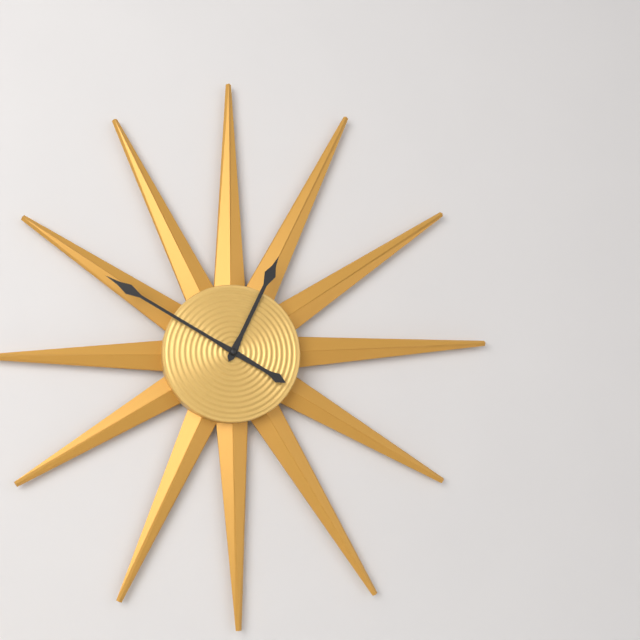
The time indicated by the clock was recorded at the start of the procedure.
12:50
